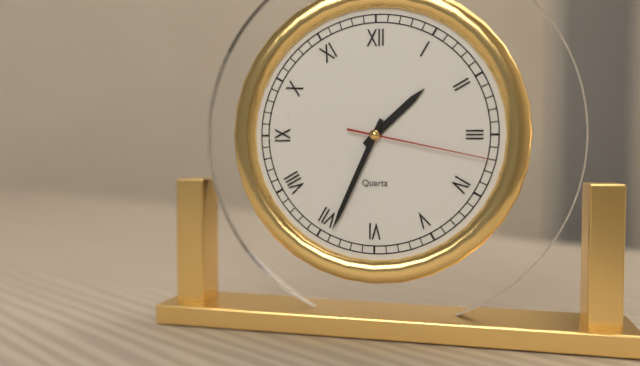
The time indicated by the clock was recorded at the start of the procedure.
1:34:17
